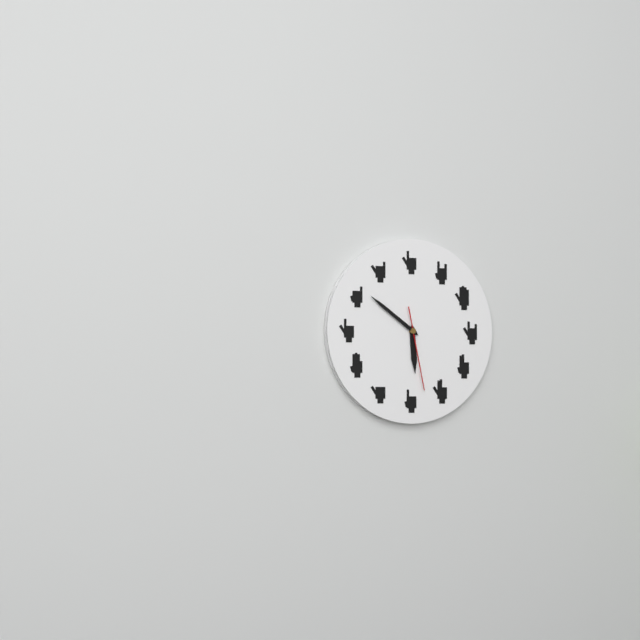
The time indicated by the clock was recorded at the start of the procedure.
5:51:28
